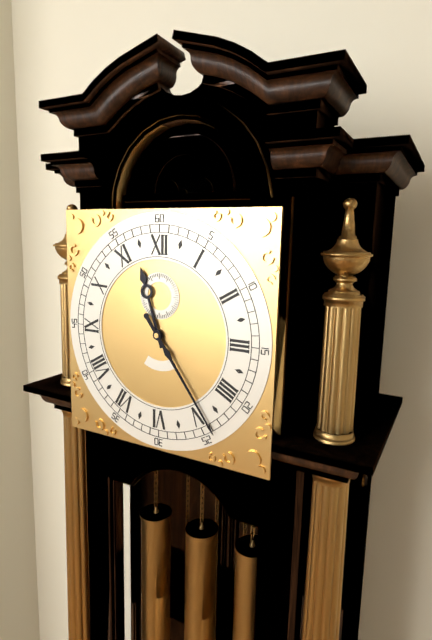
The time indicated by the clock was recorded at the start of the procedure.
11:24
